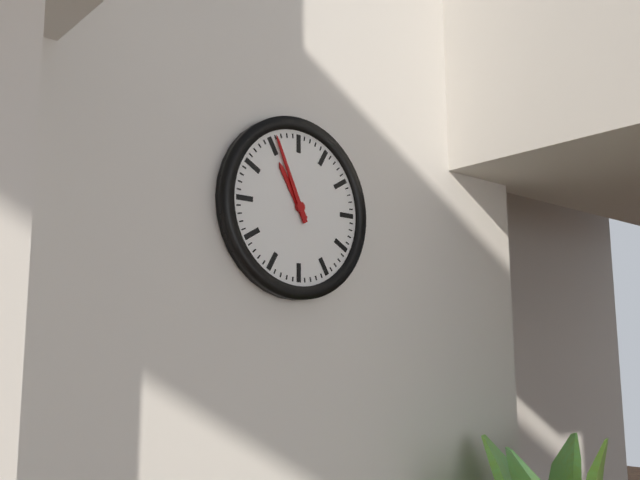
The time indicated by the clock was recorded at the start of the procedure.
10:56
